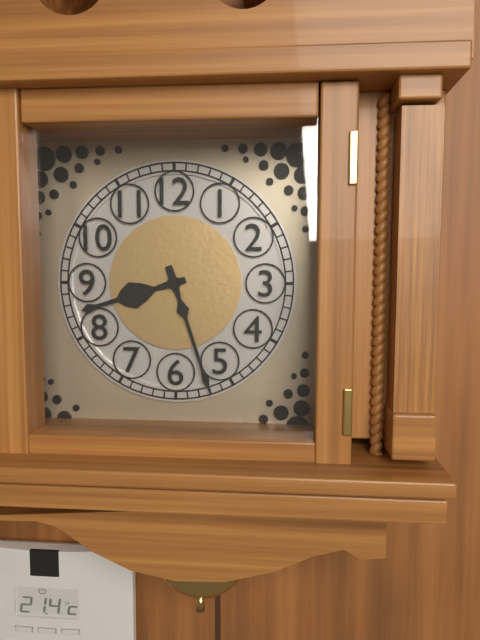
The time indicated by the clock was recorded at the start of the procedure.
8:27
